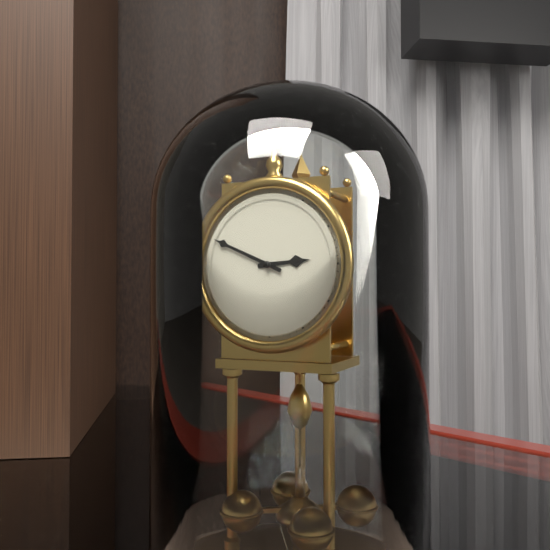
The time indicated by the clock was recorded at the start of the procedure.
2:49
